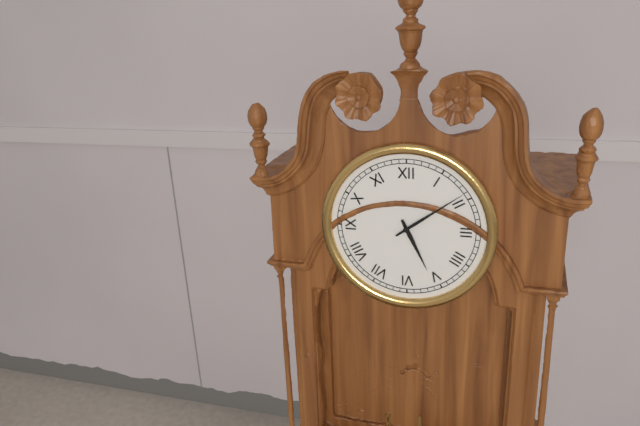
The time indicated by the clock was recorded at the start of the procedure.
5:09
